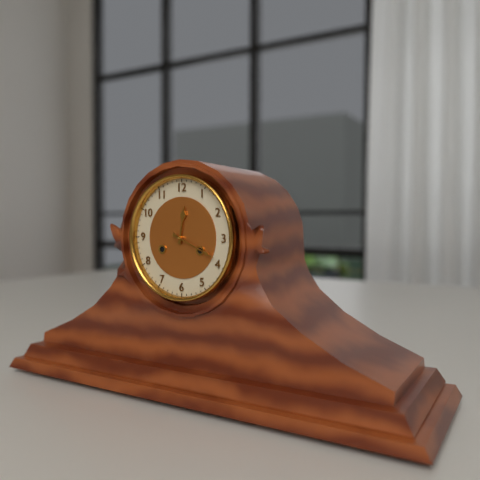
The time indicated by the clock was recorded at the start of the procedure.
12:19
